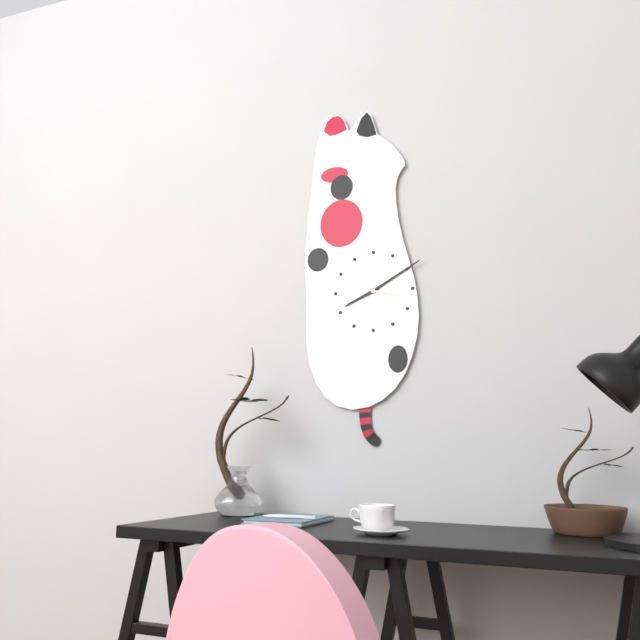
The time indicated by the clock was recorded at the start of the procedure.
8:10
